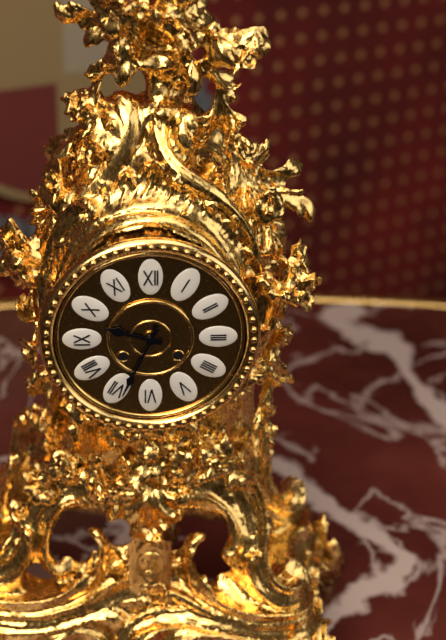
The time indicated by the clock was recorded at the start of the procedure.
9:34
